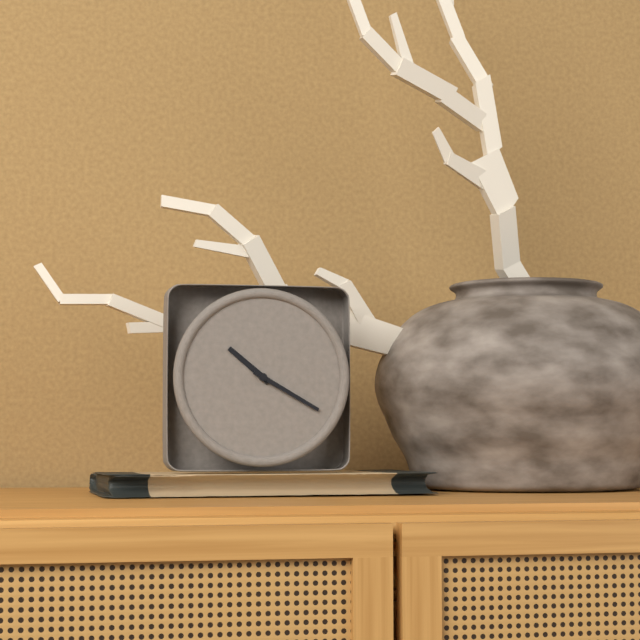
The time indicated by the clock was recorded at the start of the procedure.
10:20
